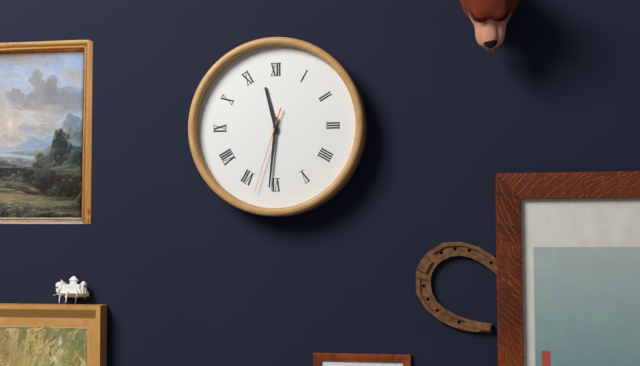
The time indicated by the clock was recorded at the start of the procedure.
11:31:33
